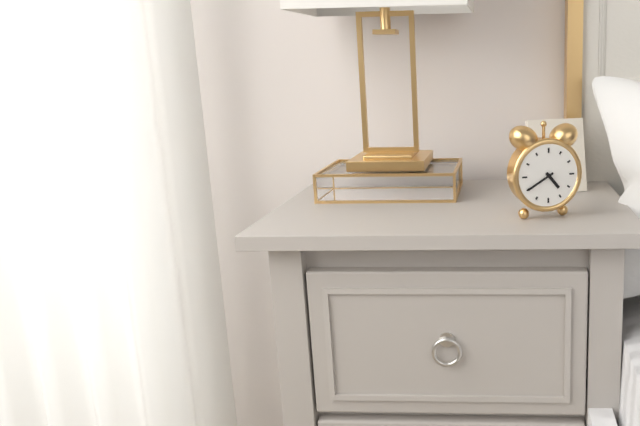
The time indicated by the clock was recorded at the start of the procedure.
4:40
